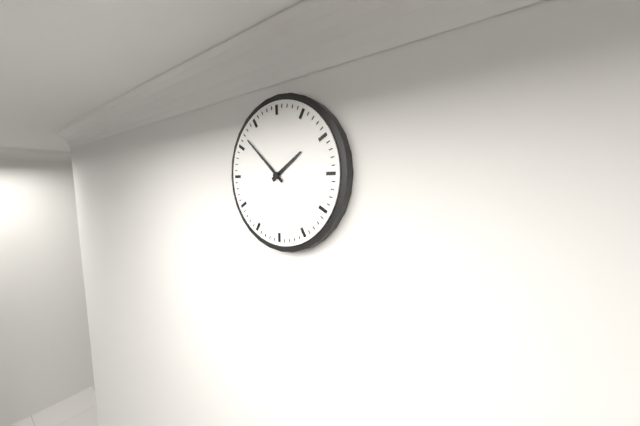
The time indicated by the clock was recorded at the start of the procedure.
1:52
